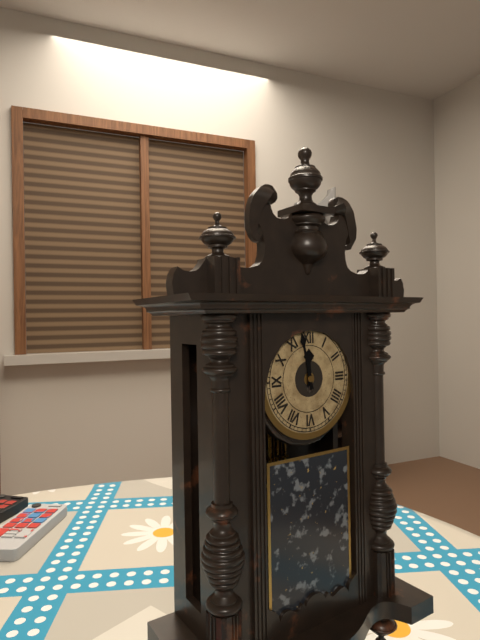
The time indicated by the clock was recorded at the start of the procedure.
11:58
